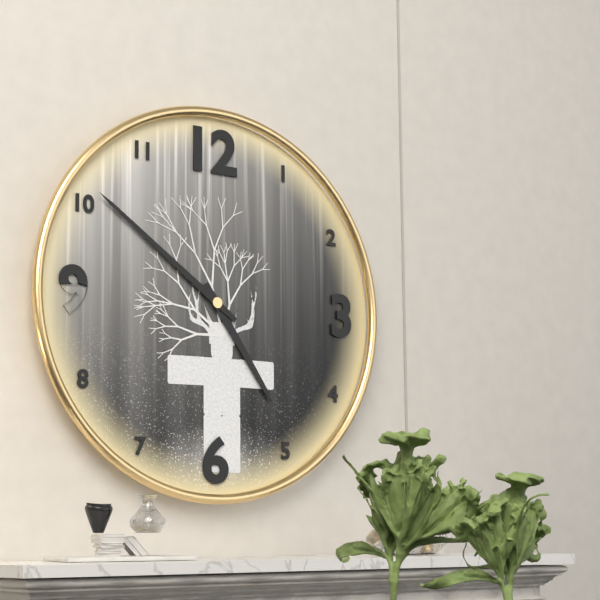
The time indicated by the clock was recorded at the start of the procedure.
4:51
